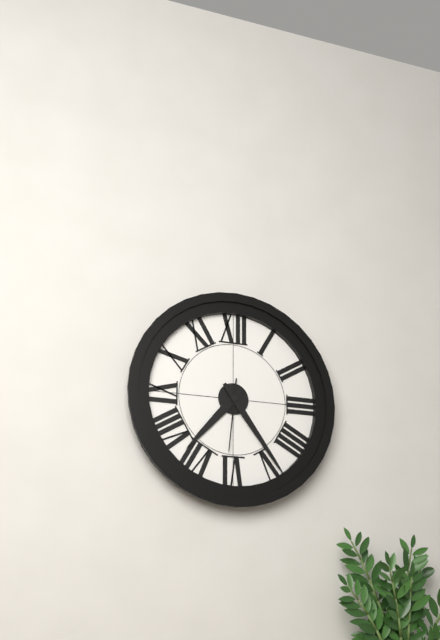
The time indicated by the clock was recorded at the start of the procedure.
7:24:31
